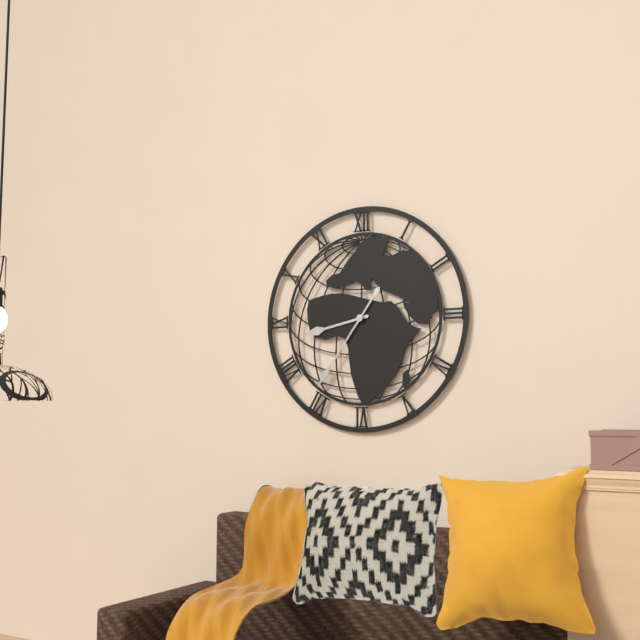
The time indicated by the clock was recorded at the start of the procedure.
8:36
